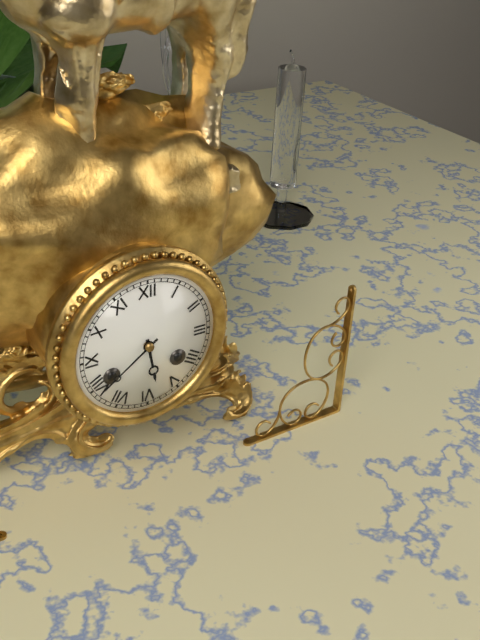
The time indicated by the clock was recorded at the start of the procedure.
5:39
